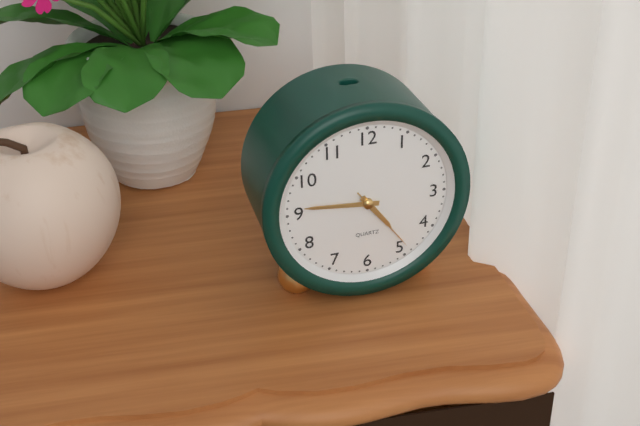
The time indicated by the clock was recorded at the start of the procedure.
4:46:24
